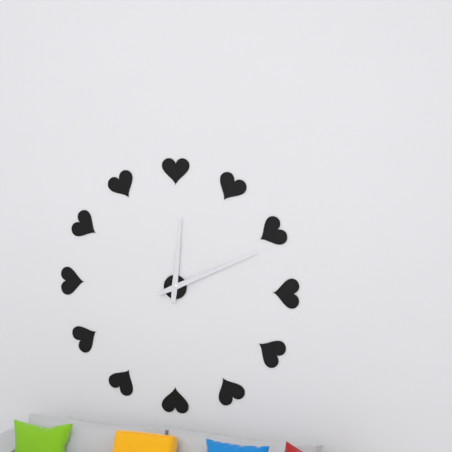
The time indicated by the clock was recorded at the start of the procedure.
12:11
